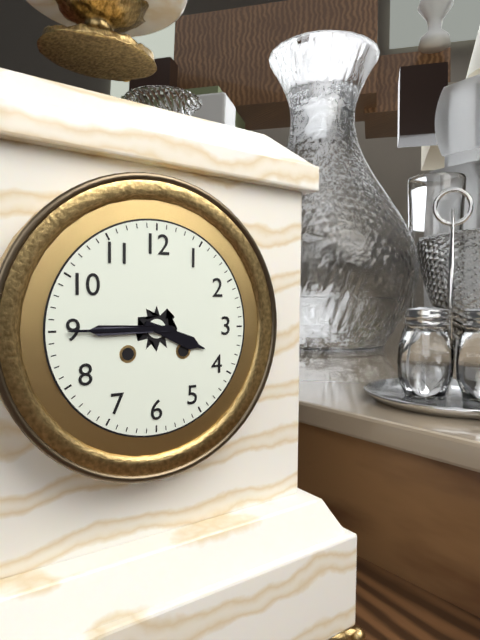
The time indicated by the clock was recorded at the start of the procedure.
3:45
